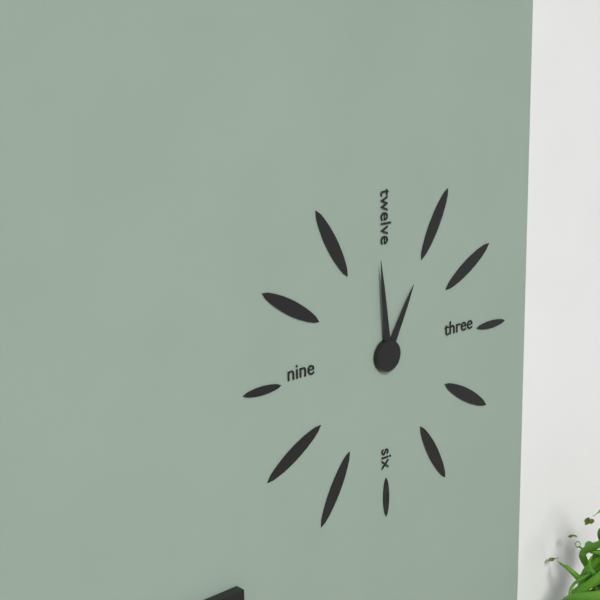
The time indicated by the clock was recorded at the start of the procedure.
12:59
